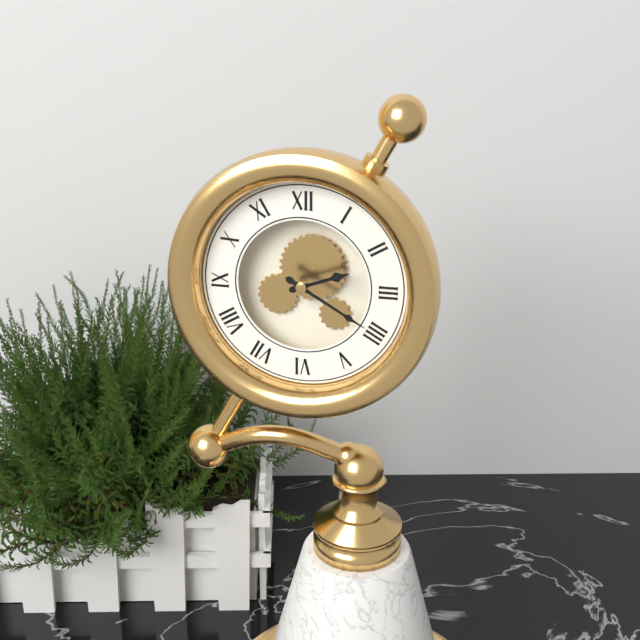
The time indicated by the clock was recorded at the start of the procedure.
2:20
